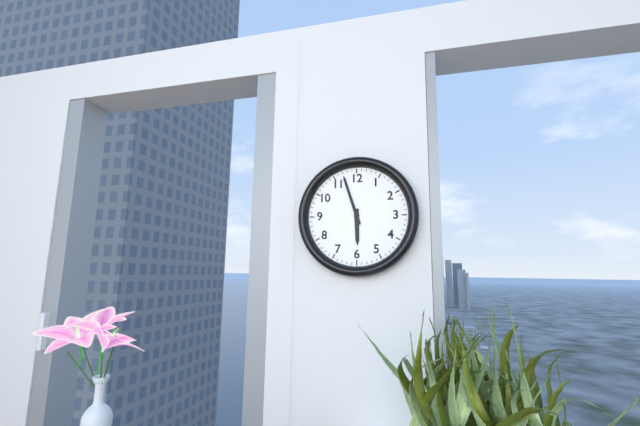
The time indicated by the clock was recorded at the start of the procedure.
5:57
